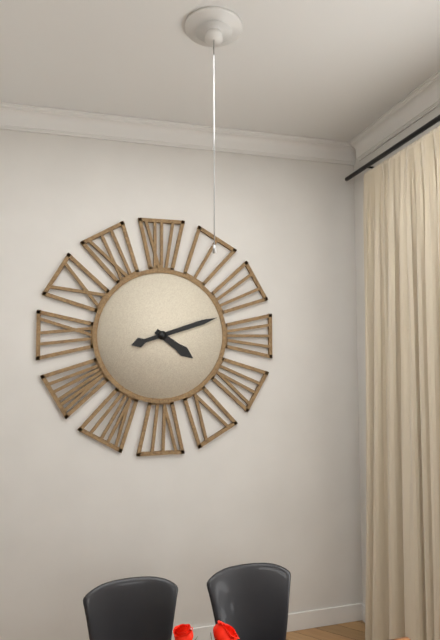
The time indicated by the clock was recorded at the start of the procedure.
4:12
